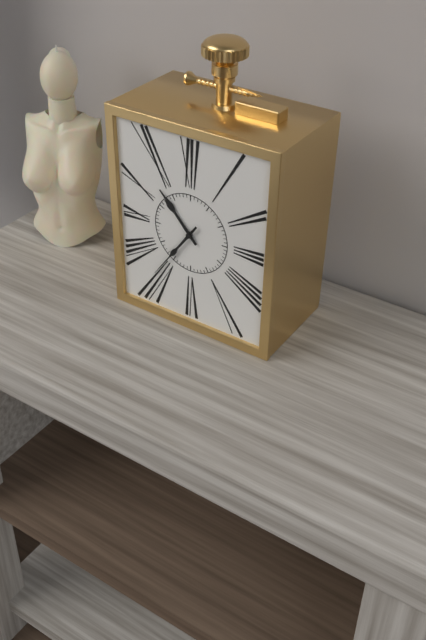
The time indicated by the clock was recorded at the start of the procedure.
10:36
